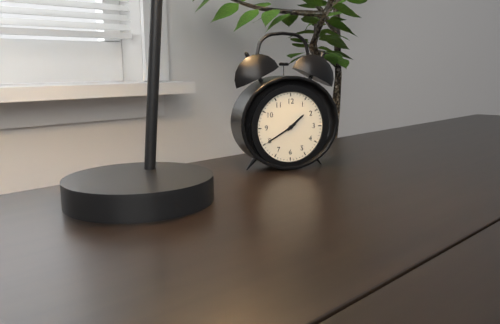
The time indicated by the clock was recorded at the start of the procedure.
1:40
